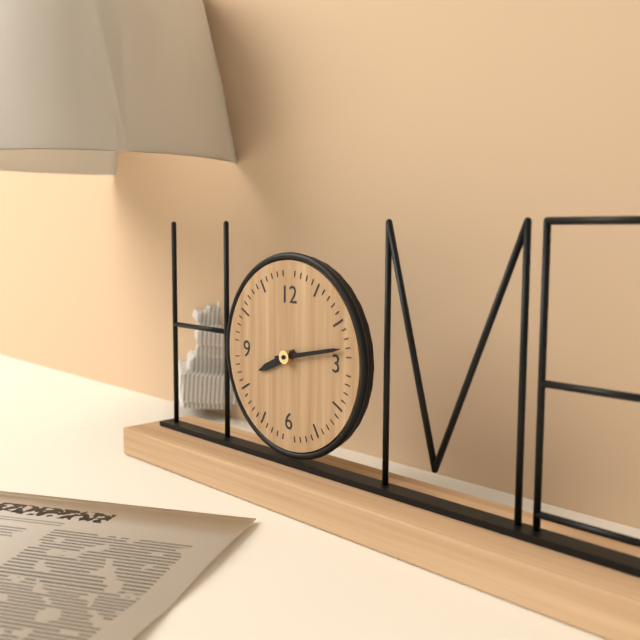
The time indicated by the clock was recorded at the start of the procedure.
8:13
